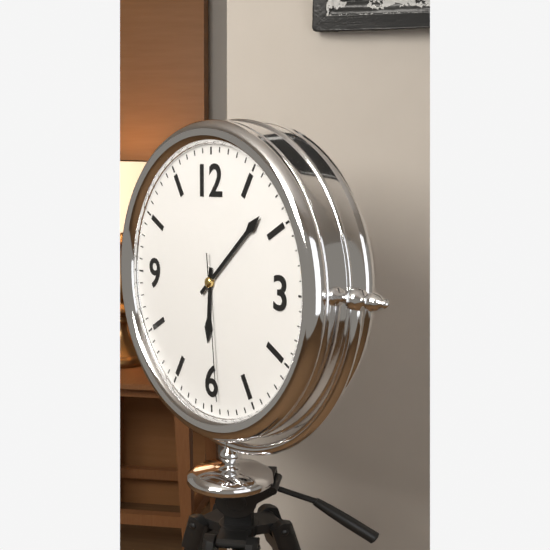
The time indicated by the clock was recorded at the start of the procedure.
6:08:29
